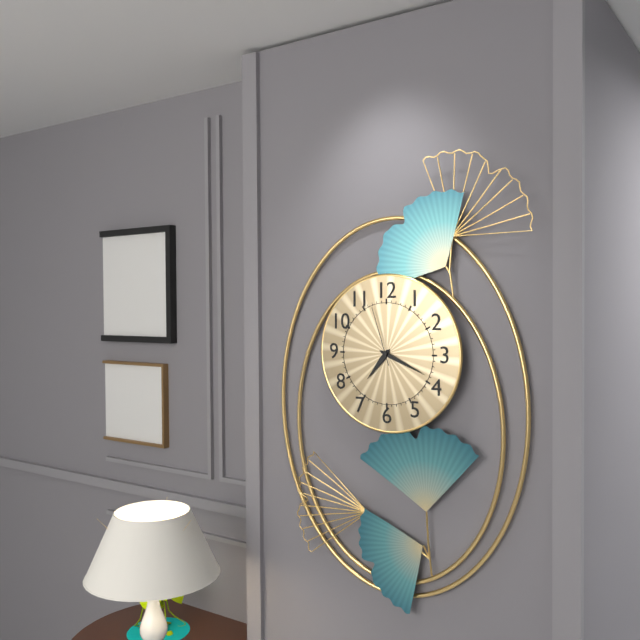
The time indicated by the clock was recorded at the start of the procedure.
7:19:57
